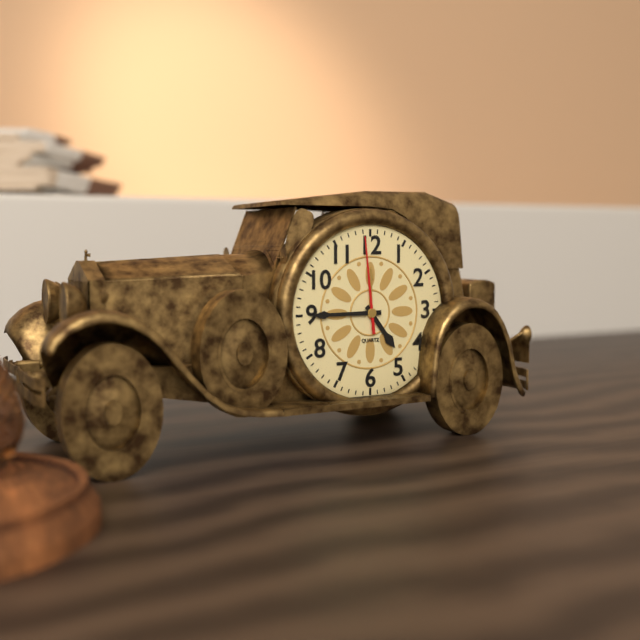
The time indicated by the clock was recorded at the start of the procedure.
4:45:59
